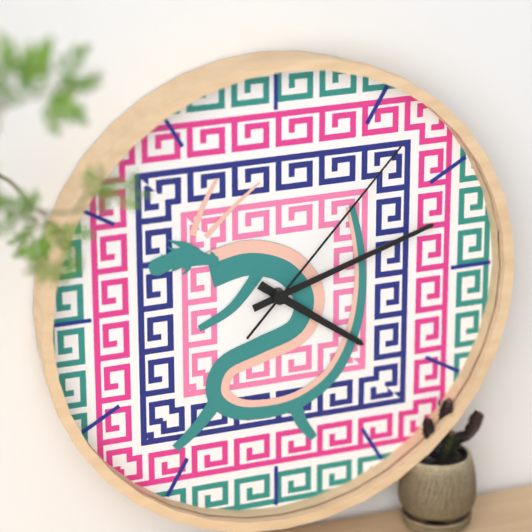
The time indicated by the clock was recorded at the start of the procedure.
4:12:07
